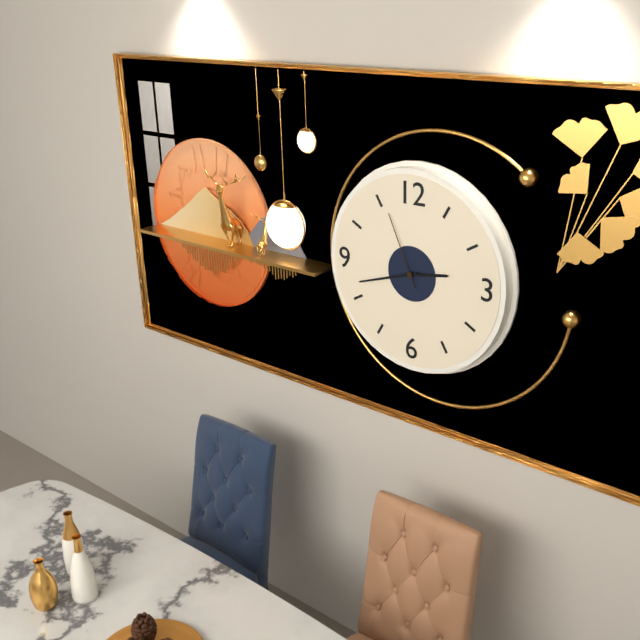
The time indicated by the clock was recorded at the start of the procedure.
2:42:56
